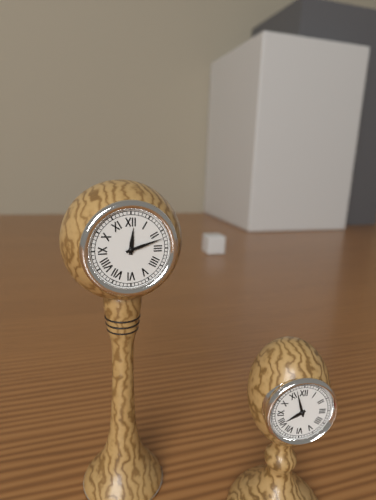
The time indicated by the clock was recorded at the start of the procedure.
12:12
